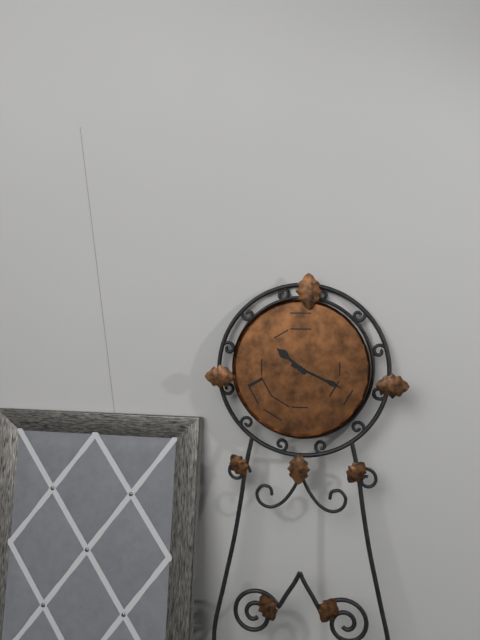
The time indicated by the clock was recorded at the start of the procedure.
10:19
